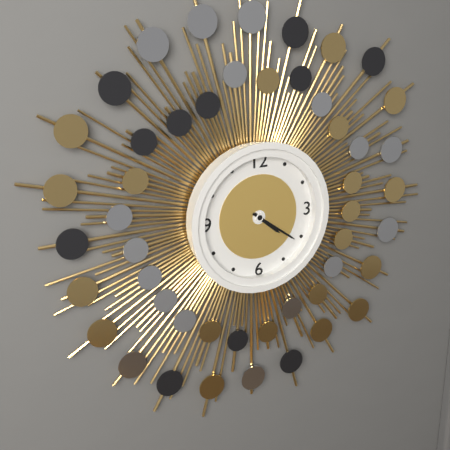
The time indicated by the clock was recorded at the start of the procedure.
4:21
